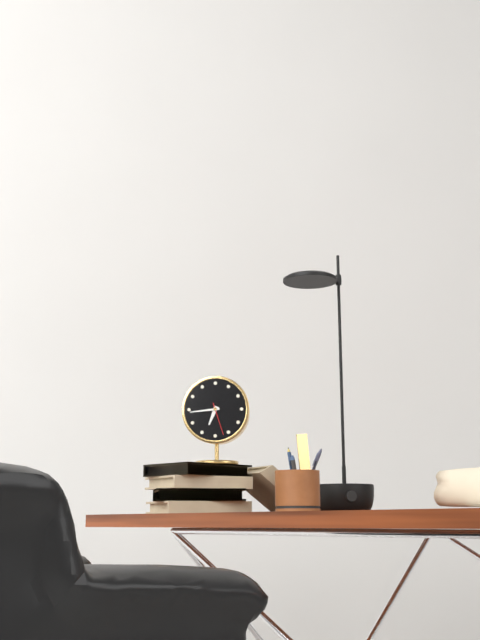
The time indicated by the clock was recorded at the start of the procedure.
6:44
